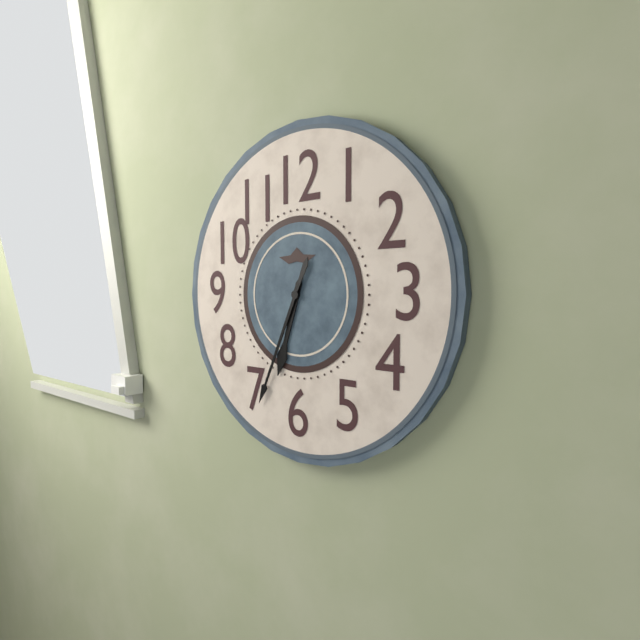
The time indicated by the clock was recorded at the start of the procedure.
6:34
